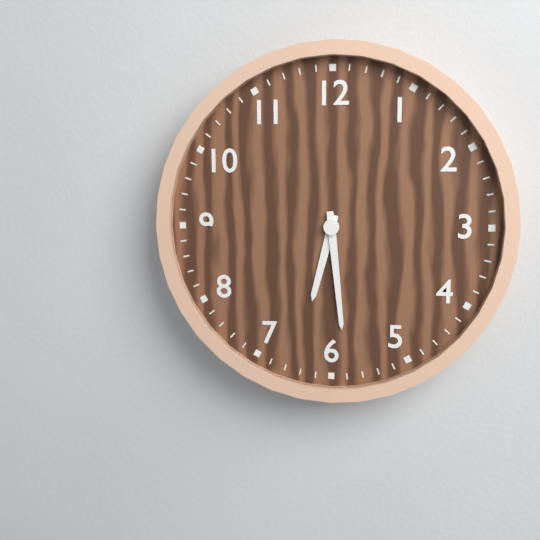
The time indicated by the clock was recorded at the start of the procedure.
6:29
